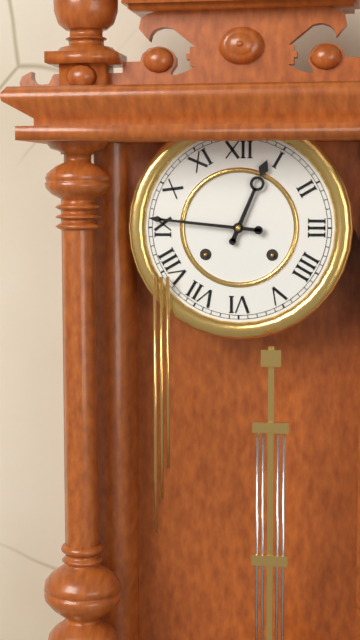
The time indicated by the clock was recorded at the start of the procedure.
12:46
